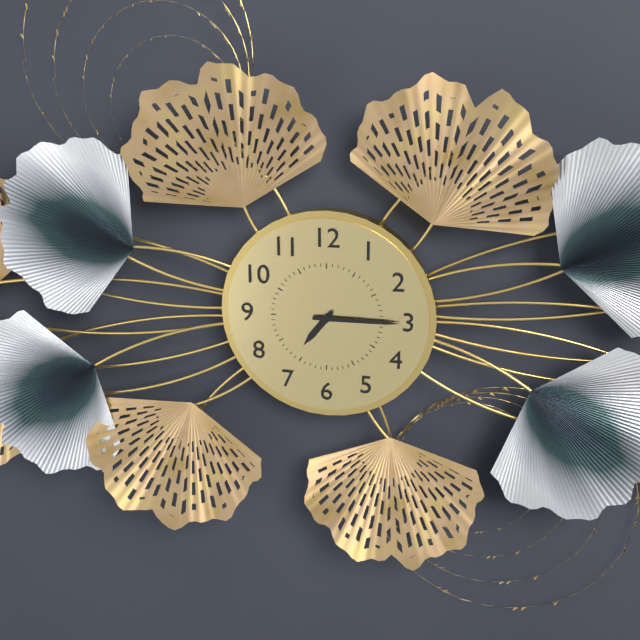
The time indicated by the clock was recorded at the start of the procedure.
7:15
